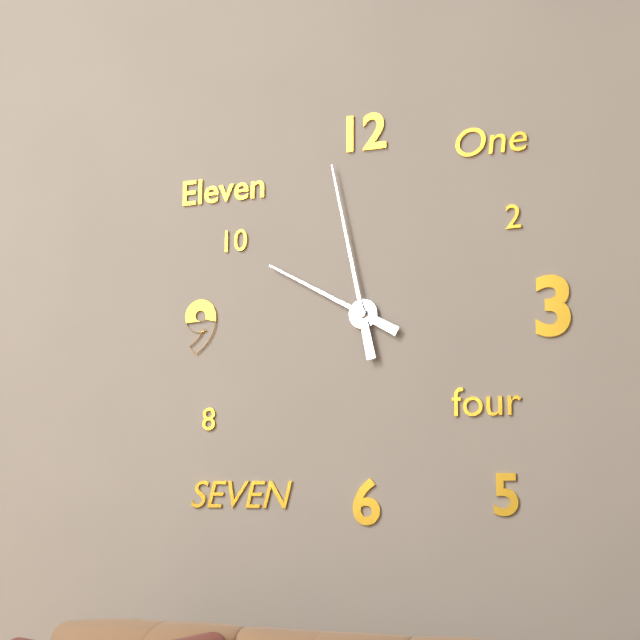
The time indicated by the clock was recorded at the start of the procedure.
9:58
